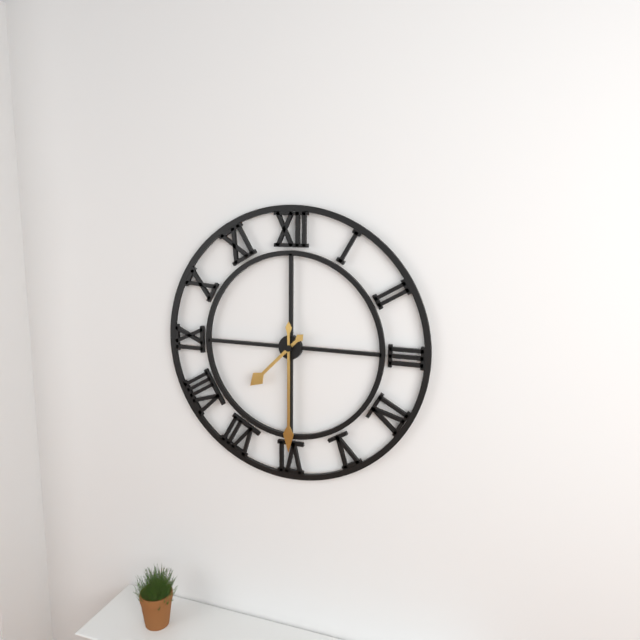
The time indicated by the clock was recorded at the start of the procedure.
7:30
